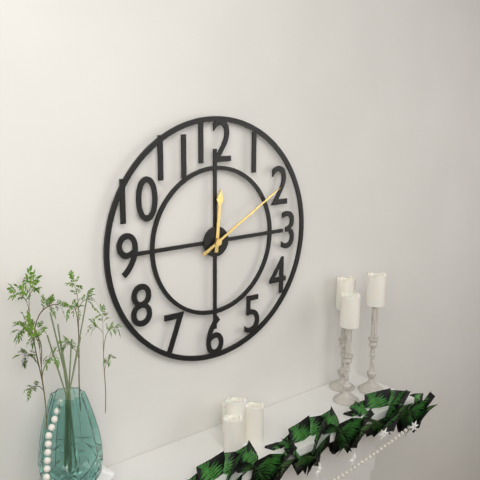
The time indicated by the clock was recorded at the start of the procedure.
12:10
